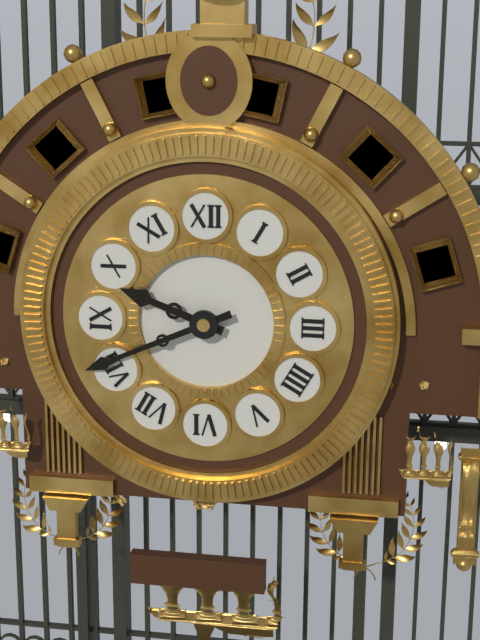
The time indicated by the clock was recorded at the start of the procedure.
9:41
